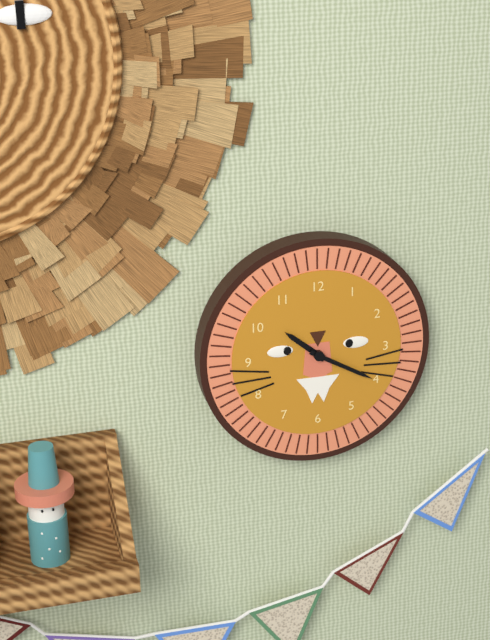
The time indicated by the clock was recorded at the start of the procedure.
10:20
